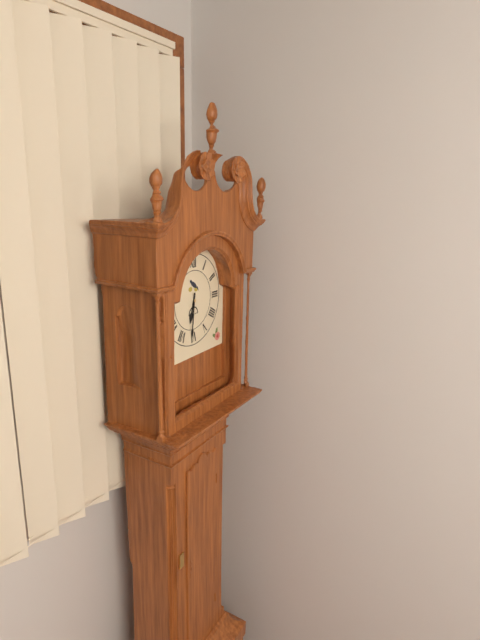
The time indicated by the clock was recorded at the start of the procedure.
6:31
